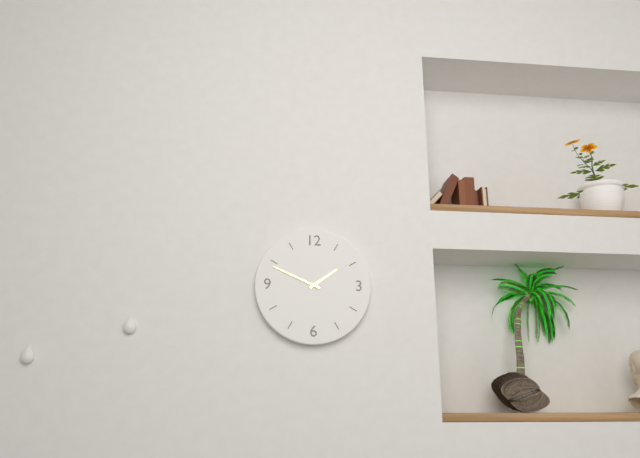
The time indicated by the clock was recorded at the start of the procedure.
1:49
